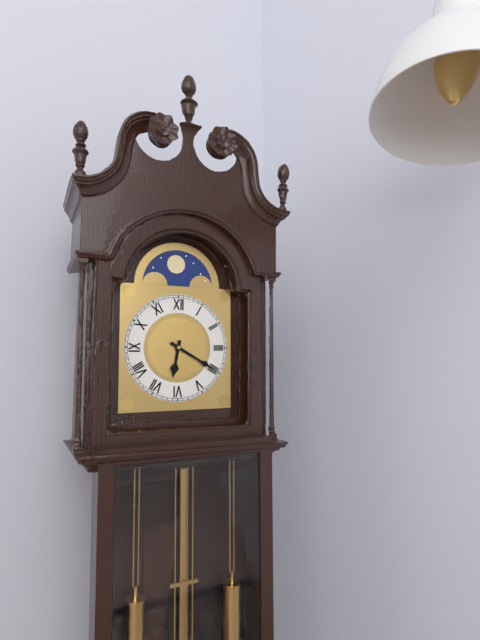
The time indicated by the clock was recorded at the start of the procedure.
6:20
